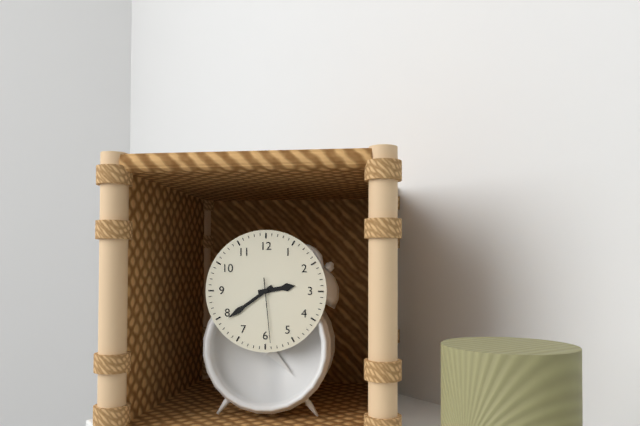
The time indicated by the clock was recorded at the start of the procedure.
2:39:29
